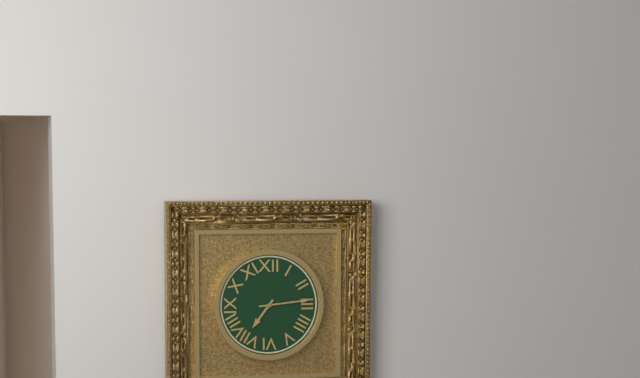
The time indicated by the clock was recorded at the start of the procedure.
7:14
